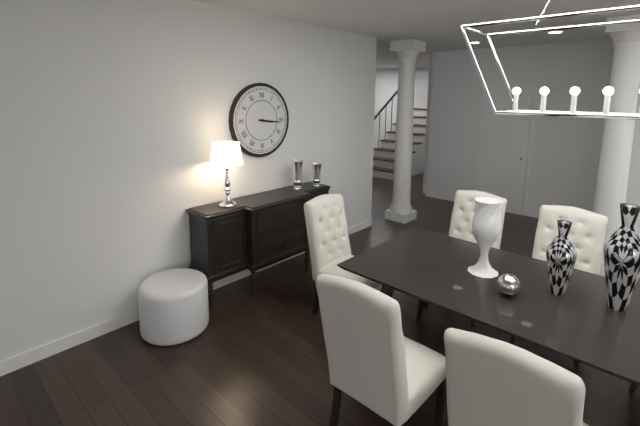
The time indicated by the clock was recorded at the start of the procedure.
3:16
